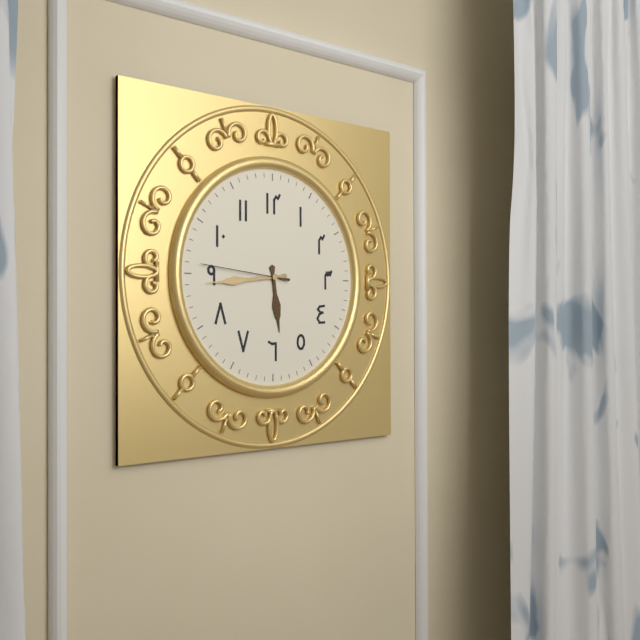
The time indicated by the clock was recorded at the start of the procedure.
5:44:46
